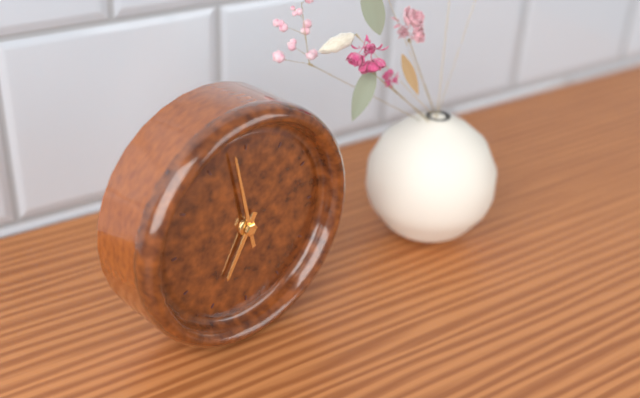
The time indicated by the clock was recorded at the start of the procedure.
6:58
